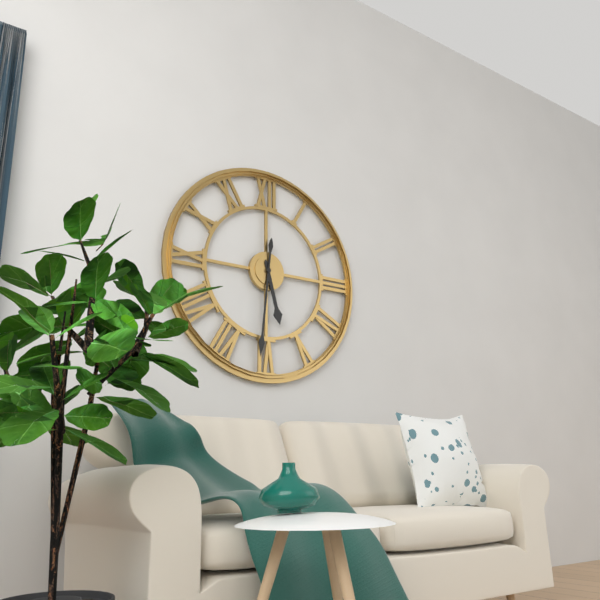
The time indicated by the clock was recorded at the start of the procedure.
5:31
